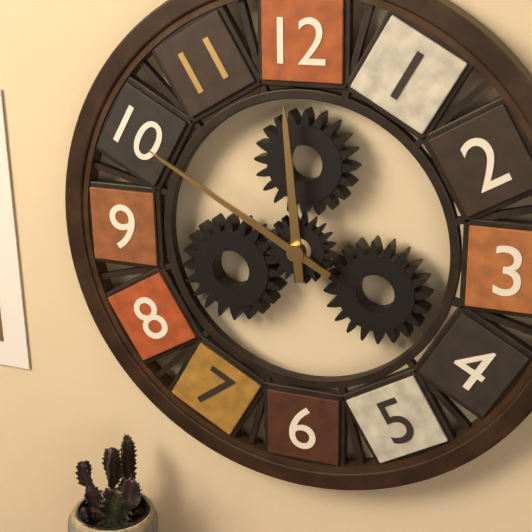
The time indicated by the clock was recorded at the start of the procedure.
11:50
